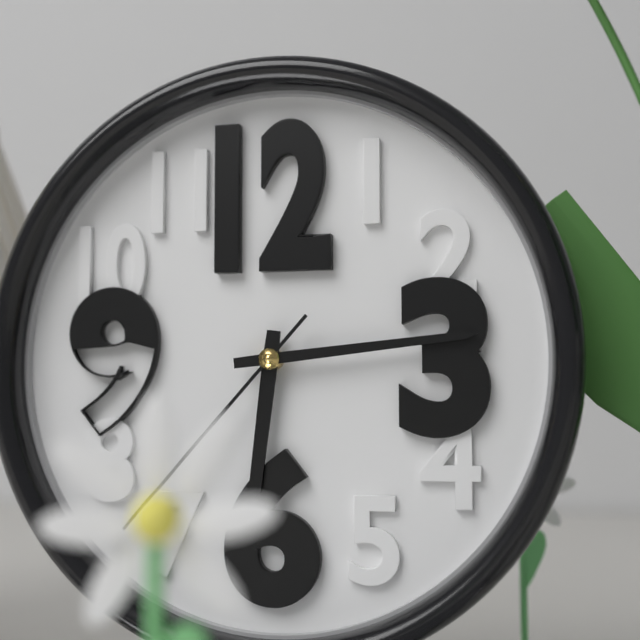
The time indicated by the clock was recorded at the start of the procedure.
6:14
